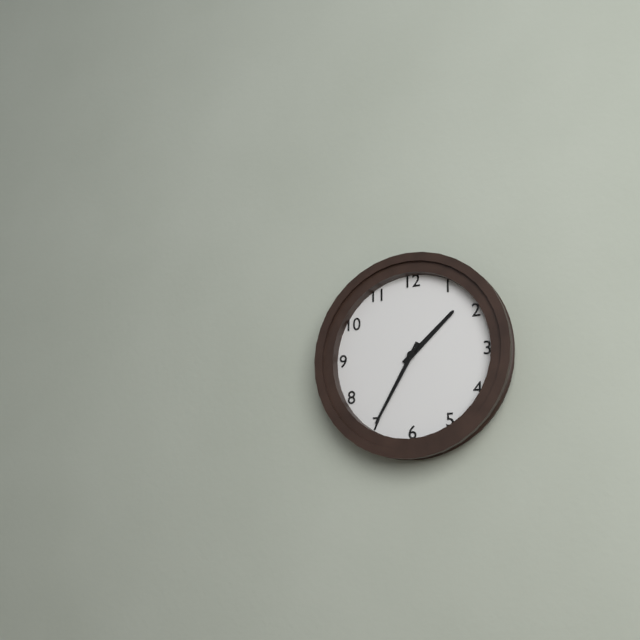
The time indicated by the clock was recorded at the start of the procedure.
1:35
